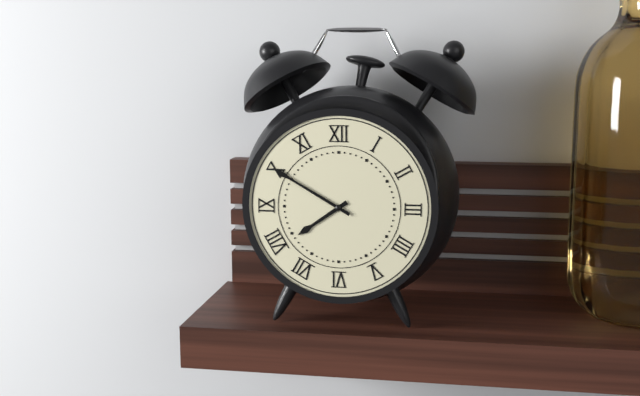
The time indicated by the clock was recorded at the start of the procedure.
7:50
